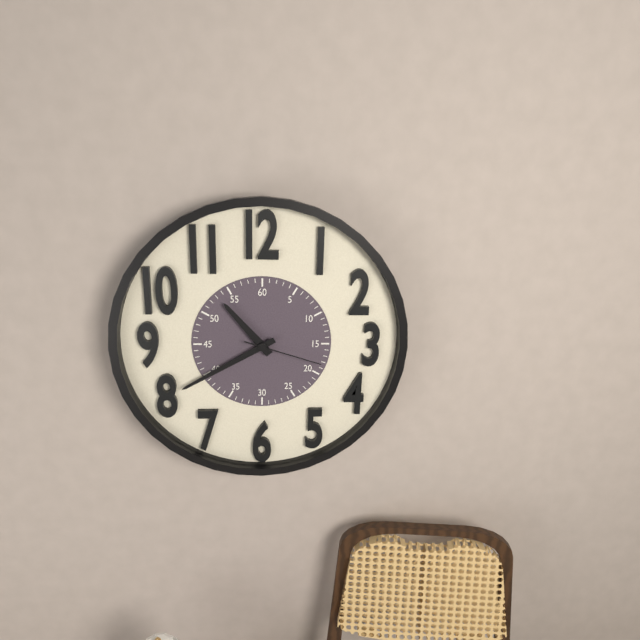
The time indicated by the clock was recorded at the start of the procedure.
10:40:18
